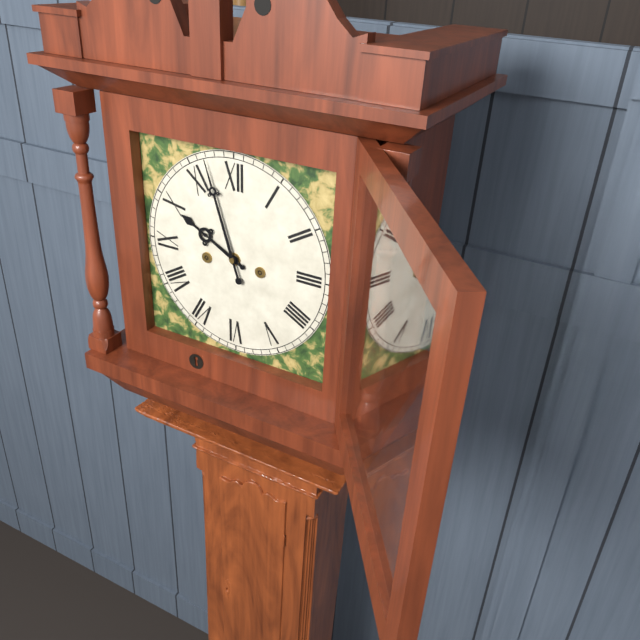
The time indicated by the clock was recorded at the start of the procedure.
9:57
